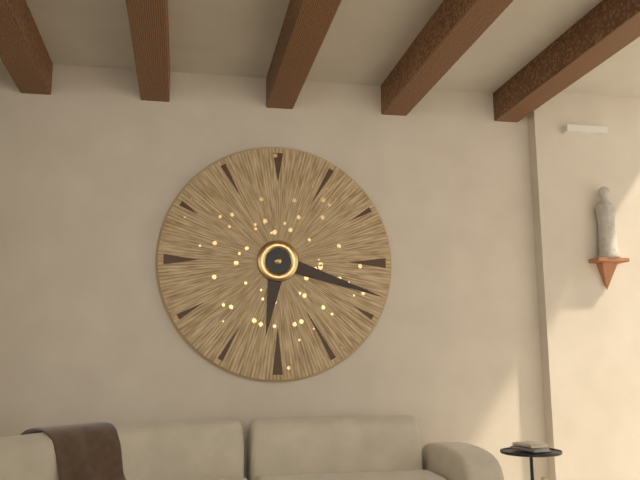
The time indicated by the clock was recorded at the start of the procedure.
6:18
